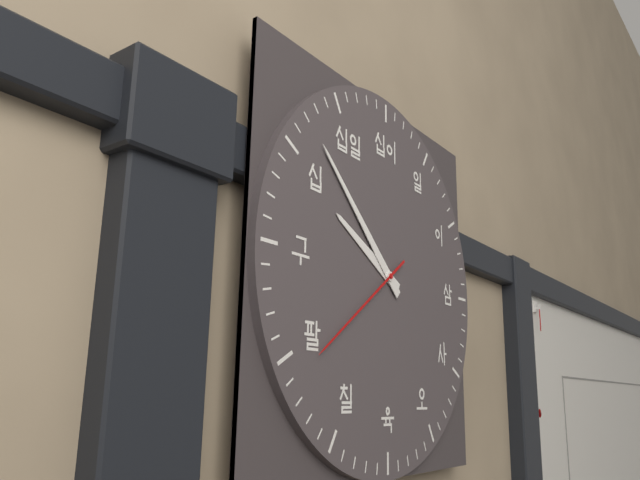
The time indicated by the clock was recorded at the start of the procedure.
9:52:39
